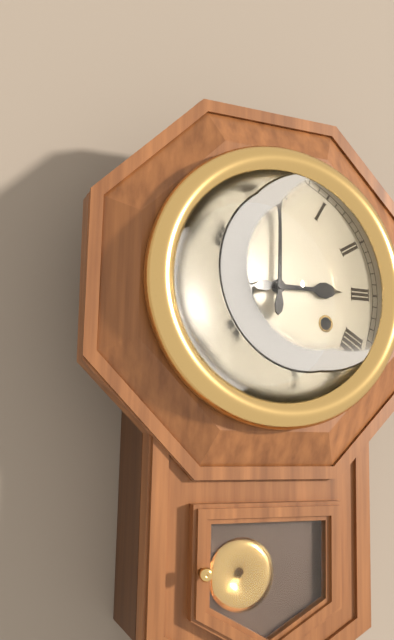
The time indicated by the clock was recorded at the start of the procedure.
3:00
